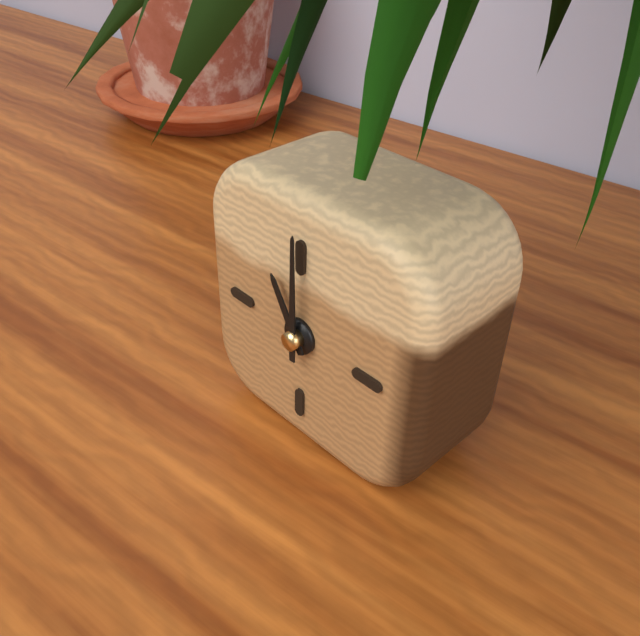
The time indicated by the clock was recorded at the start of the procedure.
11:00
